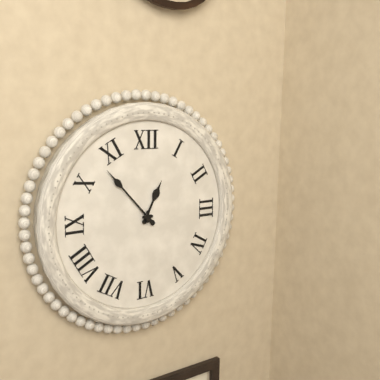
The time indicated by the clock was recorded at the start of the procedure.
12:53
